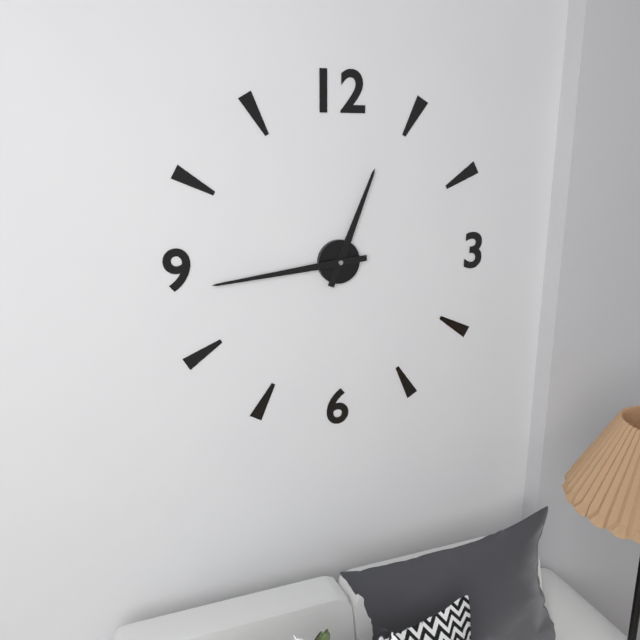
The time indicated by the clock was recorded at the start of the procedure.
12:44
